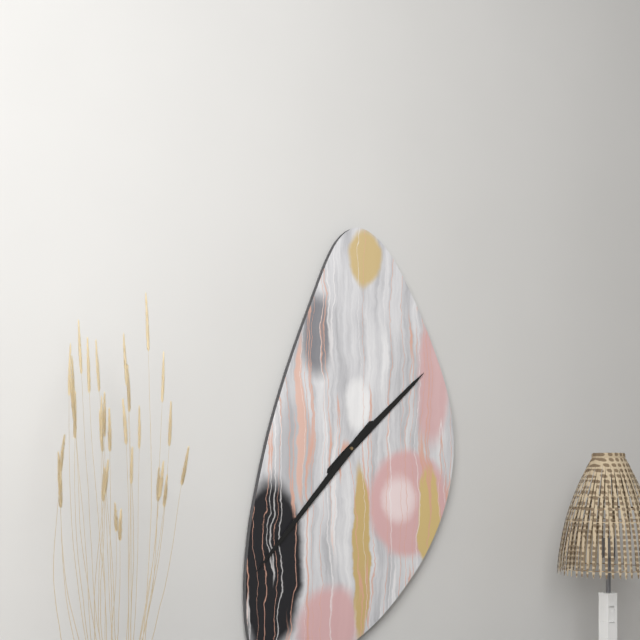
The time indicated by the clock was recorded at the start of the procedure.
1:37
